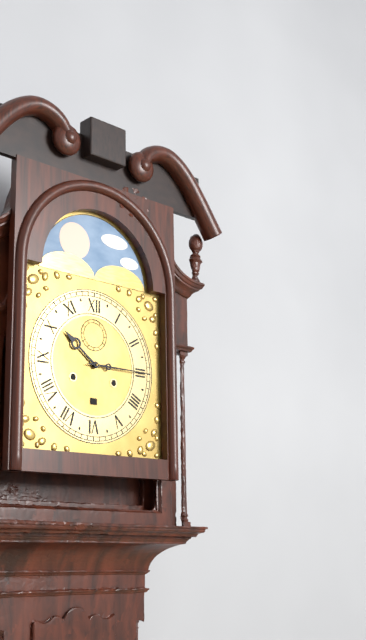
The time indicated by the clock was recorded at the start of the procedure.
10:15
